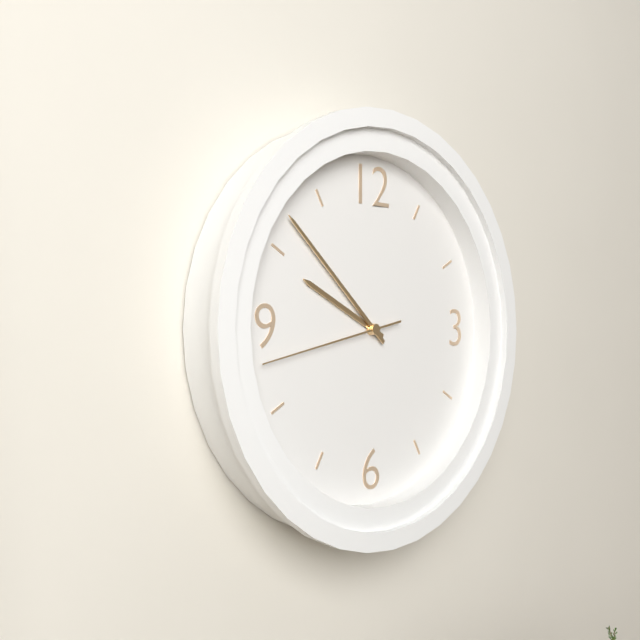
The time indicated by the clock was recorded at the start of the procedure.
9:52:43
